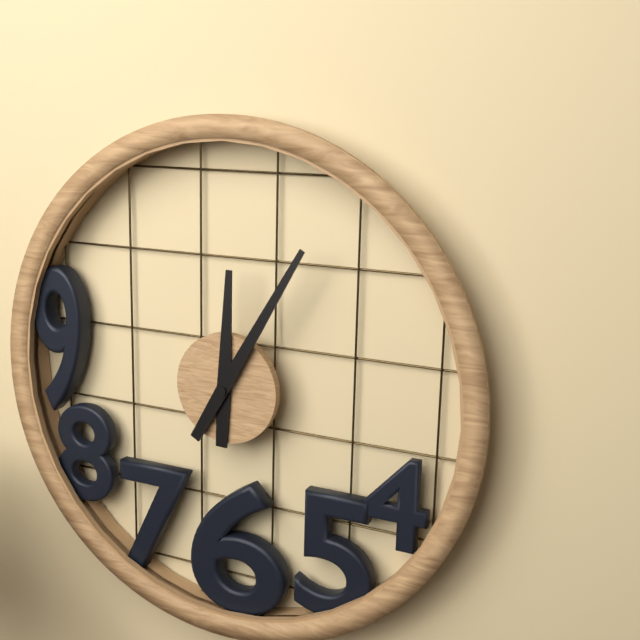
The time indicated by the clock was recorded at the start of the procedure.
12:05
